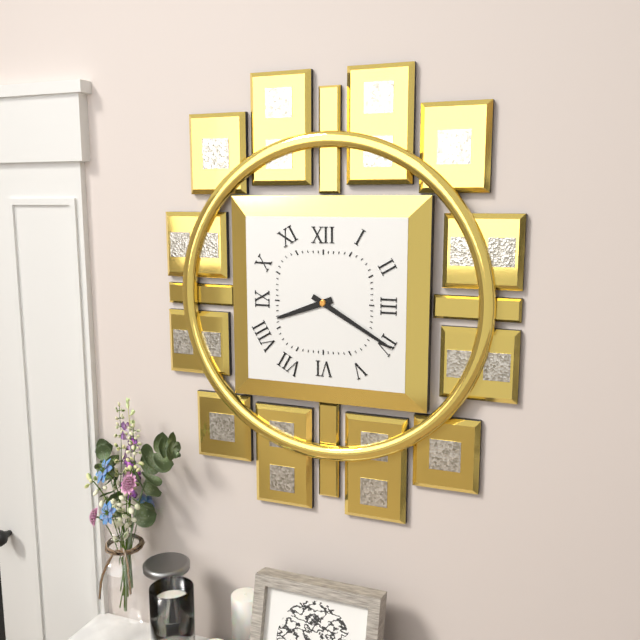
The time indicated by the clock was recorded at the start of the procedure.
8:20
